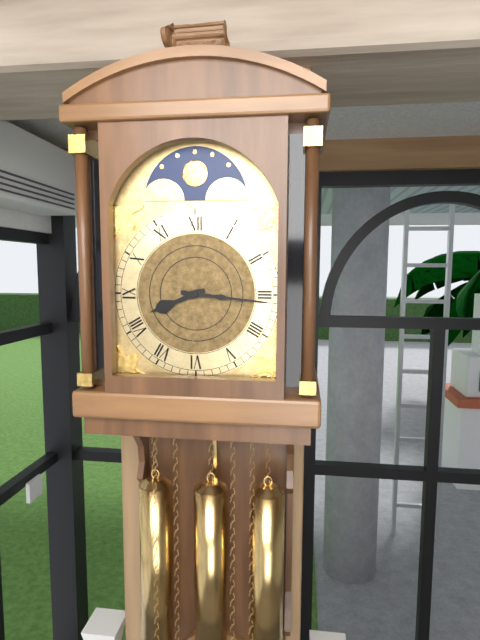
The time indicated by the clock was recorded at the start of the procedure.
8:16
